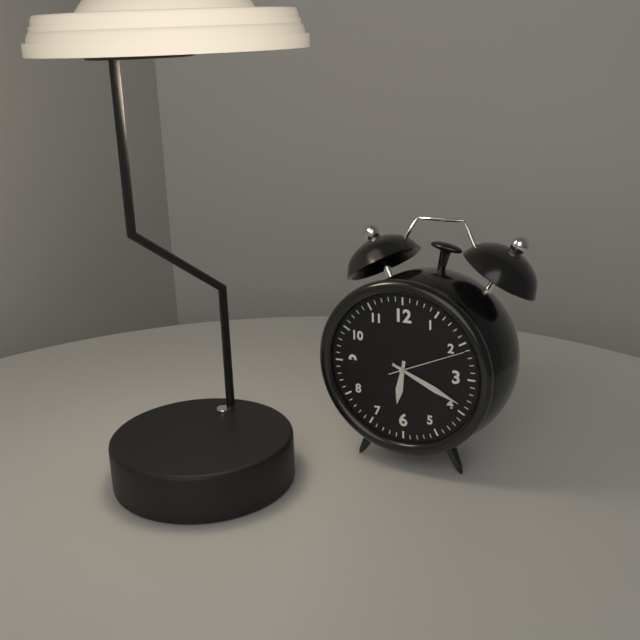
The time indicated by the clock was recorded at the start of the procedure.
6:19:11
